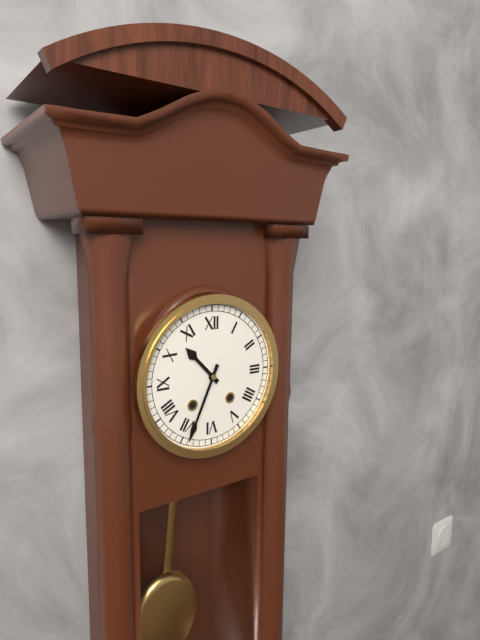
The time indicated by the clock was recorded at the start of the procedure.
10:34
